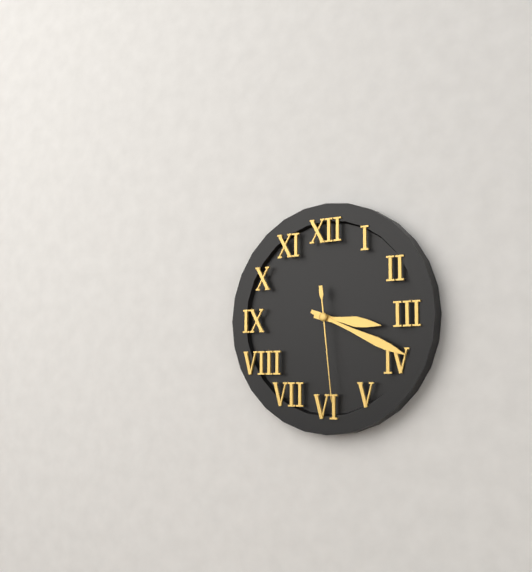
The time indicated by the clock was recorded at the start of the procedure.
3:19:29
